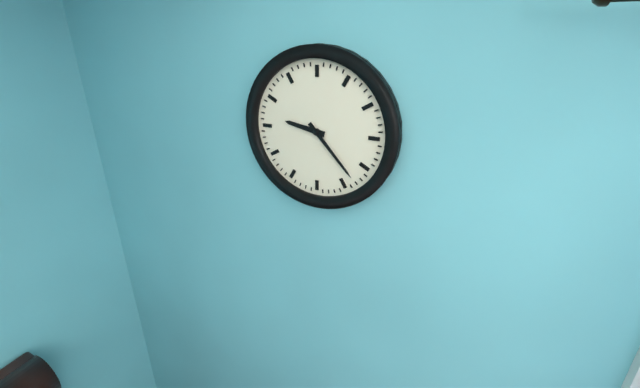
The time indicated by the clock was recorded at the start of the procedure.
9:23
